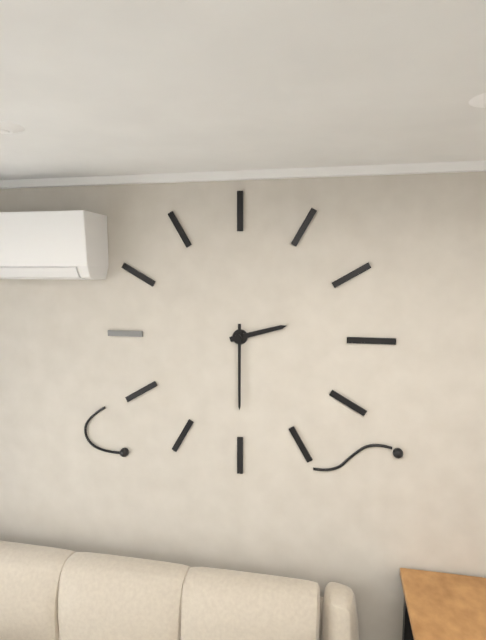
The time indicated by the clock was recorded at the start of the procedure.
2:30
